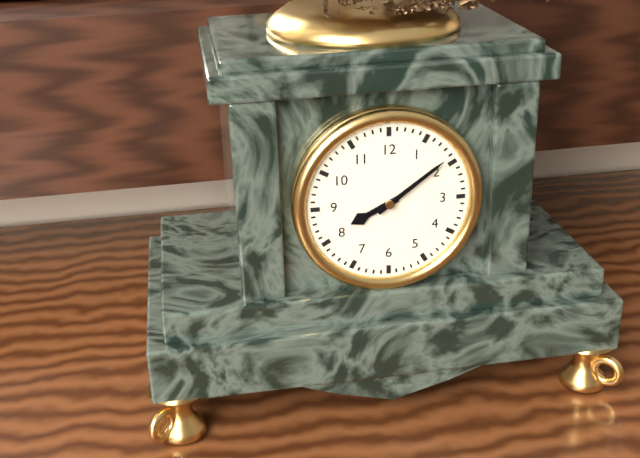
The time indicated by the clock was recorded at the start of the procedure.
8:09
